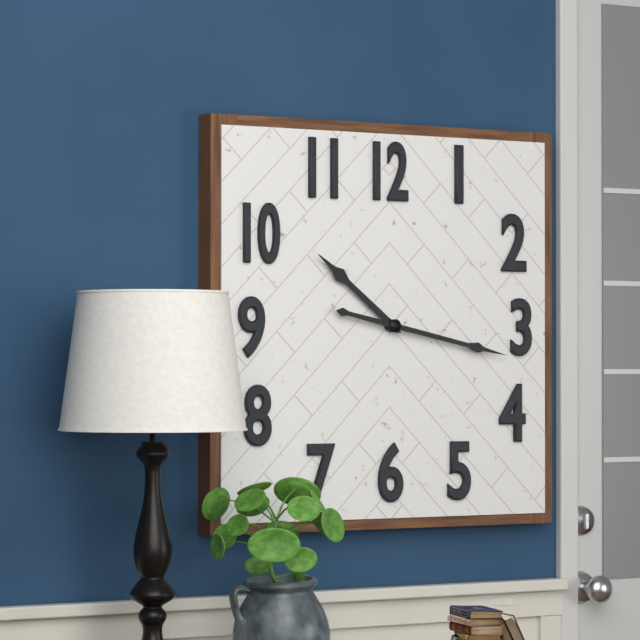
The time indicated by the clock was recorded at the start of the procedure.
10:17
